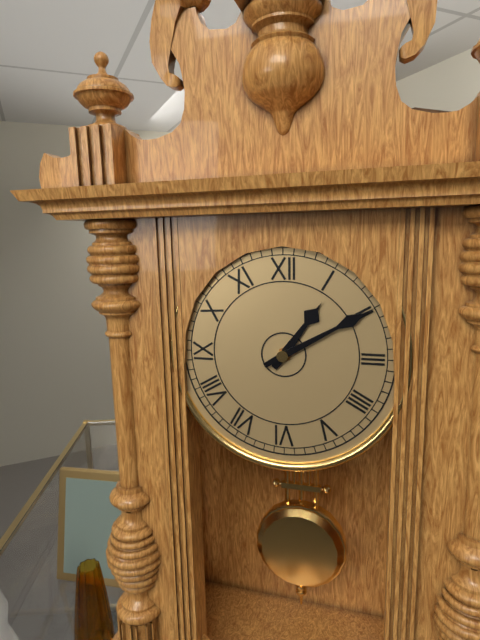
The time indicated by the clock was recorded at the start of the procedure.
1:10
